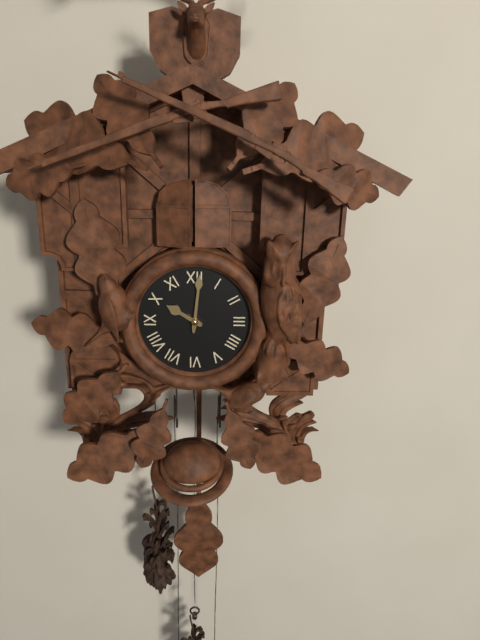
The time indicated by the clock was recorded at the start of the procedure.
10:01
